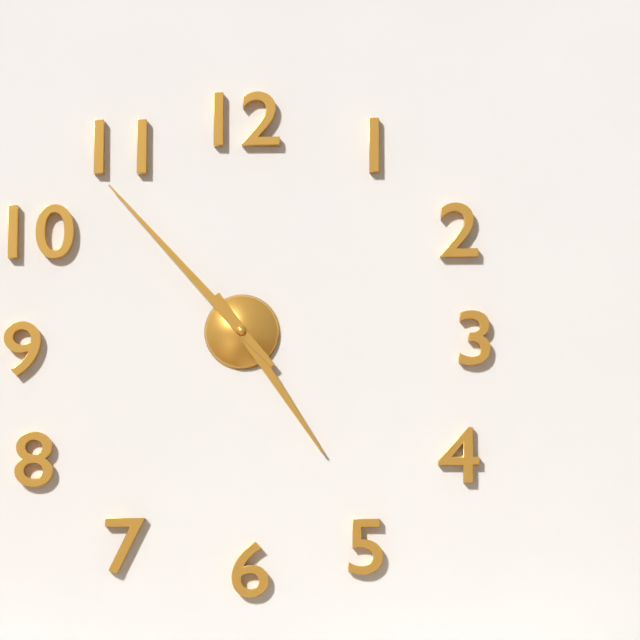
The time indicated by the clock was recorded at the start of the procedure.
4:53
